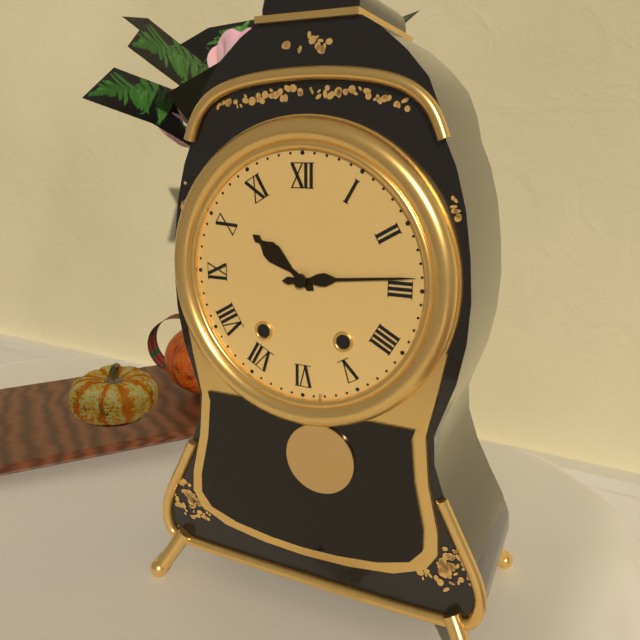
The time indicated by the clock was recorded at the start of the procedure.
10:14
